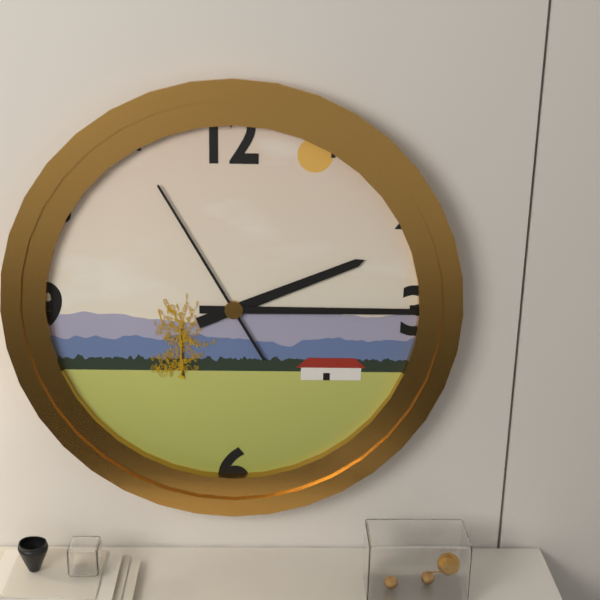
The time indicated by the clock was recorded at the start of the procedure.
2:15:55
